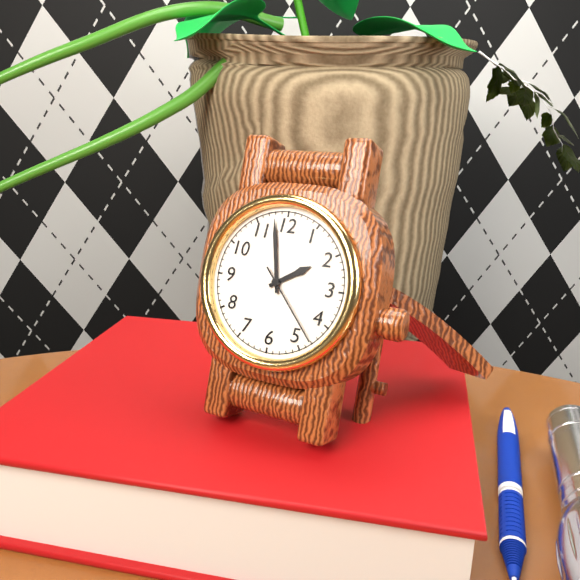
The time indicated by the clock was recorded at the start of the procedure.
1:58:23
